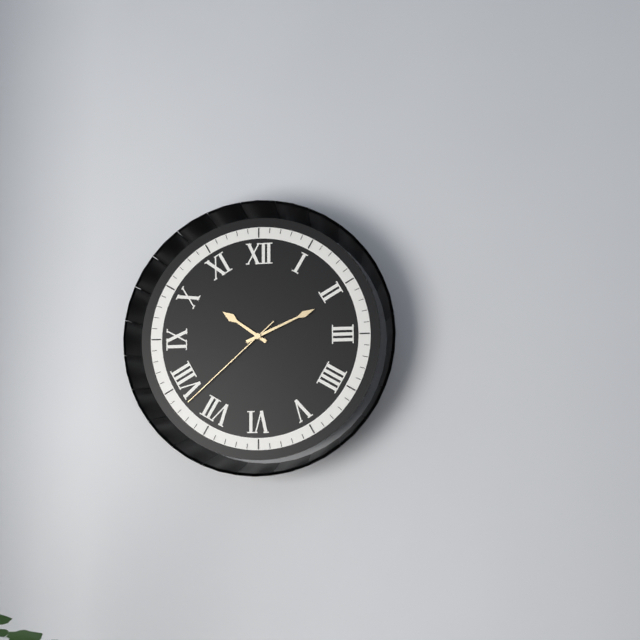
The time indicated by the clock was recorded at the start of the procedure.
10:11:38
